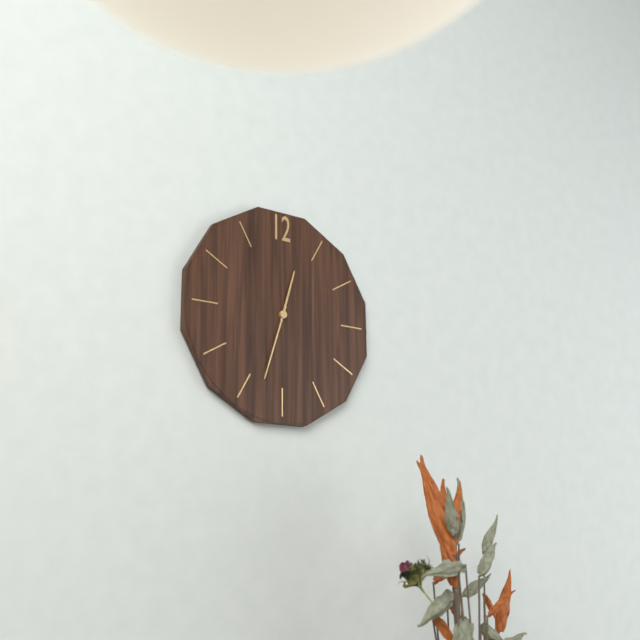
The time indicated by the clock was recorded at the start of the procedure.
12:33
